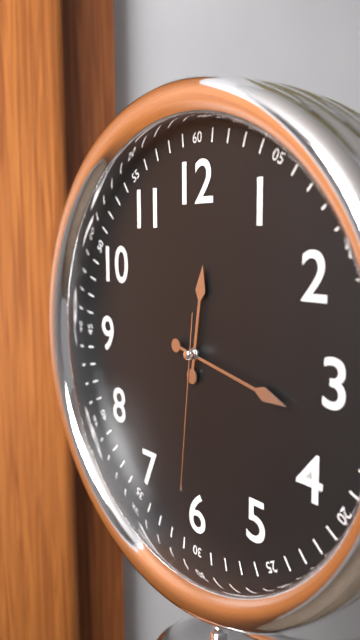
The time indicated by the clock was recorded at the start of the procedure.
12:17:31
